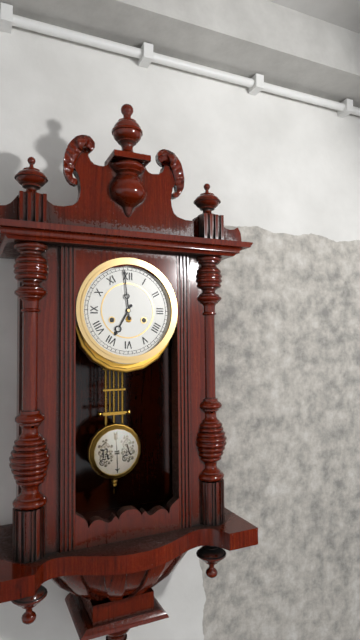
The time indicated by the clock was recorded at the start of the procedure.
6:59
